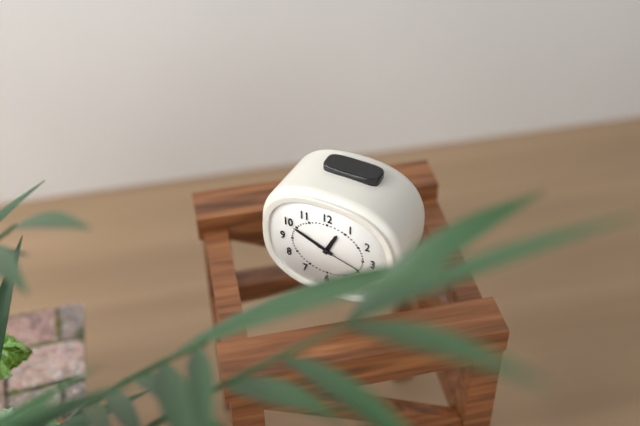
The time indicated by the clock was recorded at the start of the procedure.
12:49
